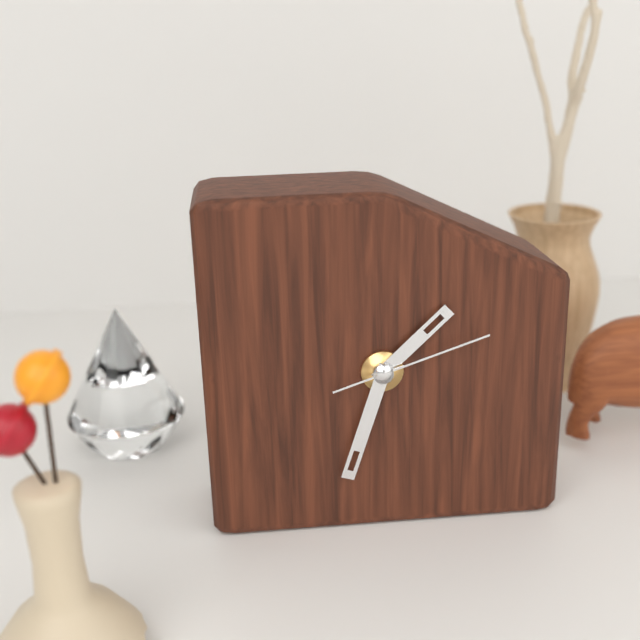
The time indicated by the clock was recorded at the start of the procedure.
1:33:12
